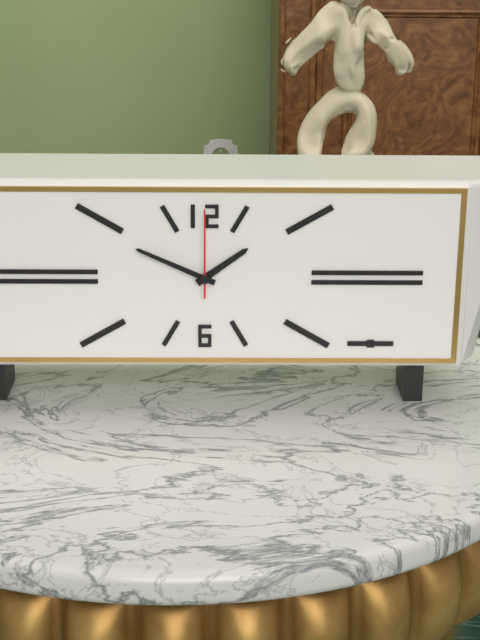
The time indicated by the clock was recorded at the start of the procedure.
1:49:00
